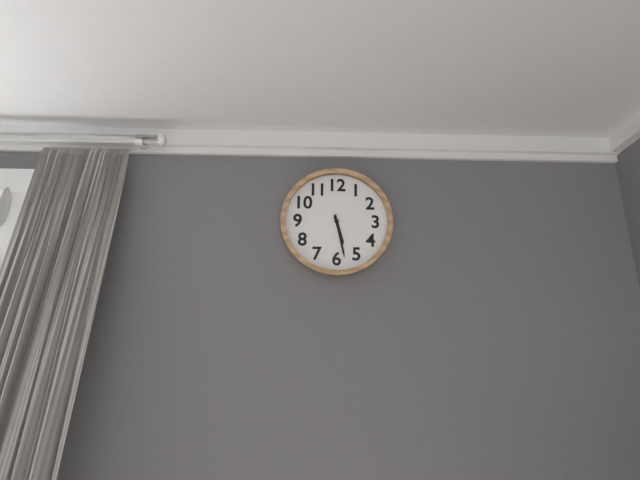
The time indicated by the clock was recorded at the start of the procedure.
5:28
